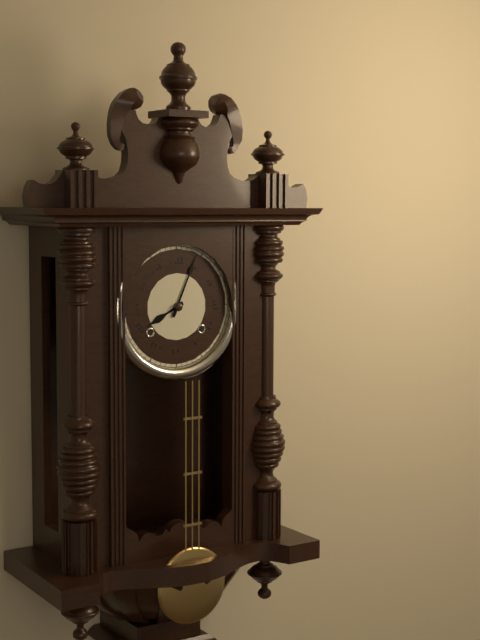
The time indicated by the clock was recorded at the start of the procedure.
8:04
